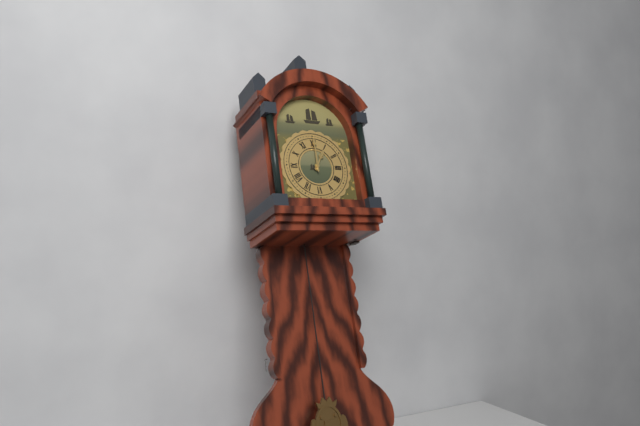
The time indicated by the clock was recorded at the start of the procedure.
1:00
